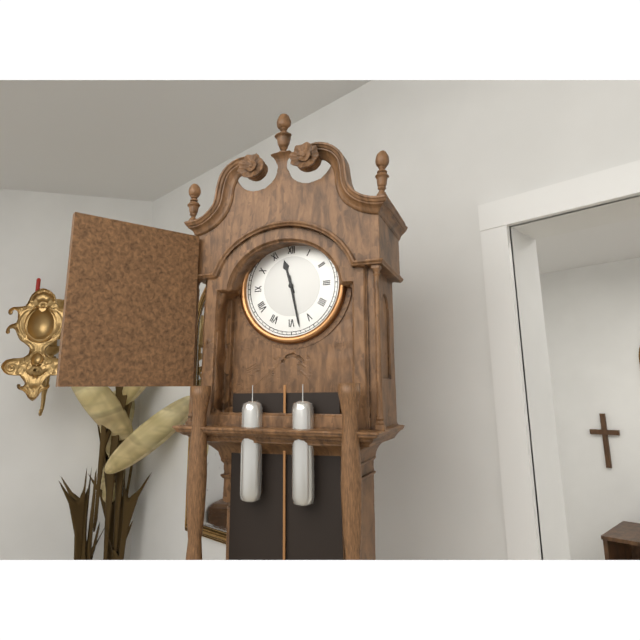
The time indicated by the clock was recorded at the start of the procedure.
11:28
